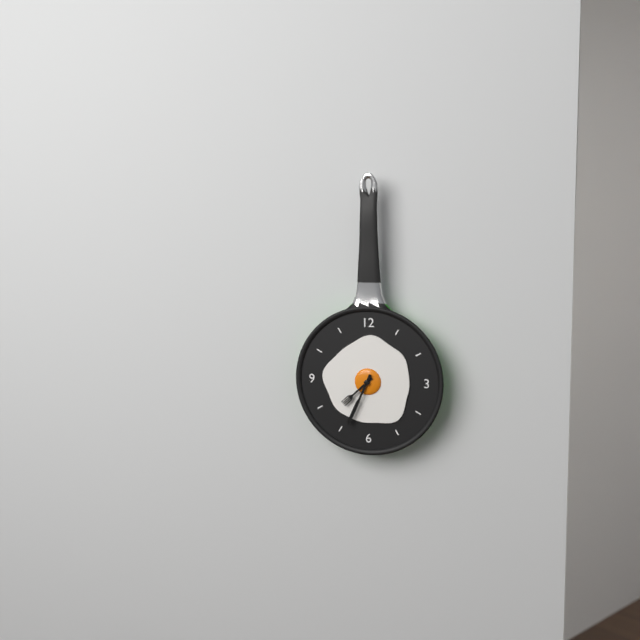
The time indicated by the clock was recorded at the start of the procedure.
7:34
